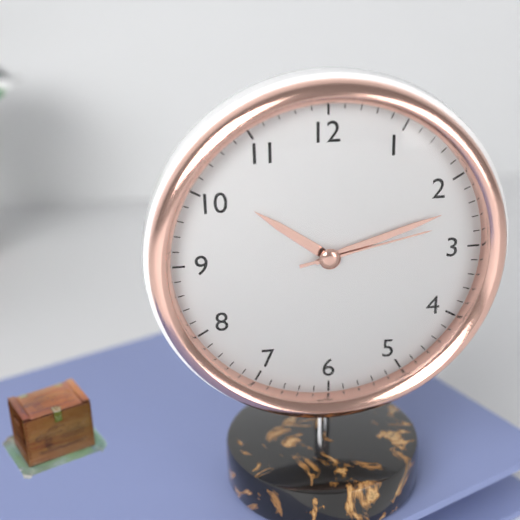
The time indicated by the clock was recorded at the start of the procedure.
10:12:13
